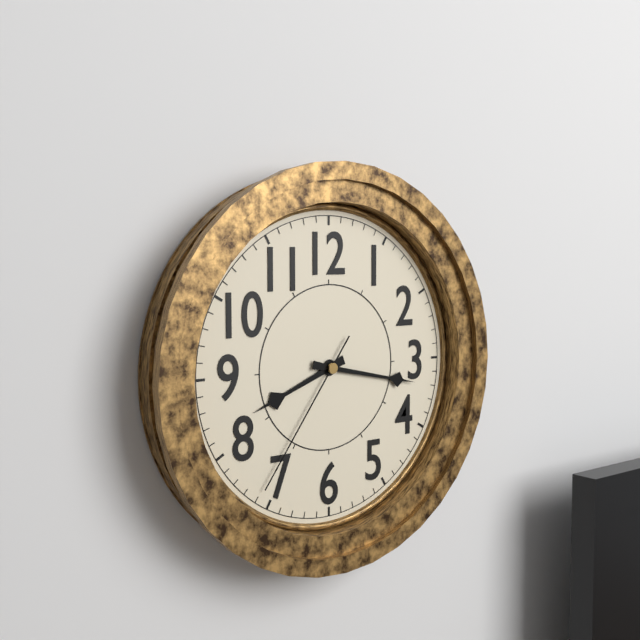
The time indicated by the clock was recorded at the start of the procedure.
8:17:36
